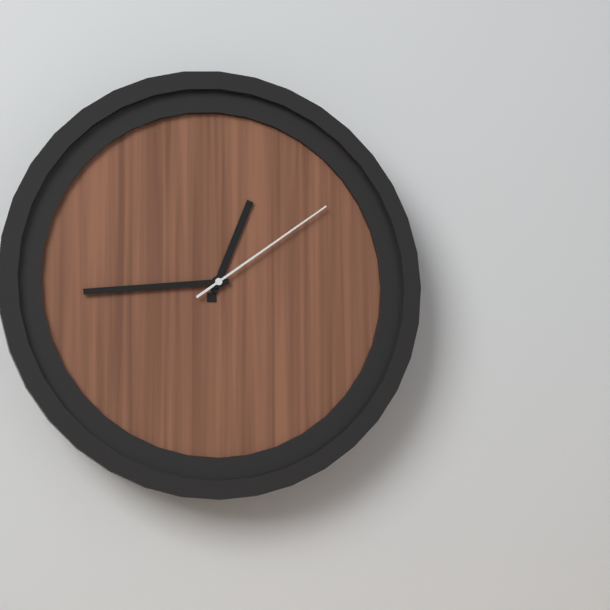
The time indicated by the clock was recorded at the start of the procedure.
12:44:09
